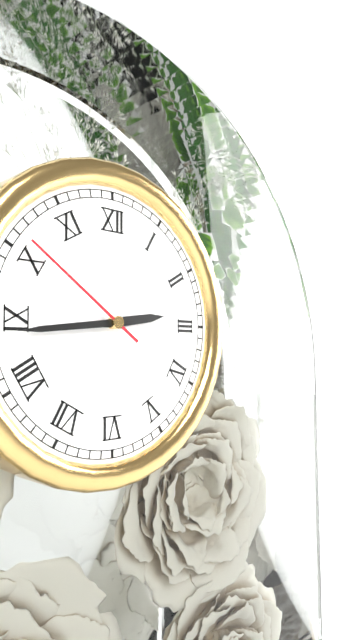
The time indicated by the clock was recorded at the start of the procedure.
2:44:51
